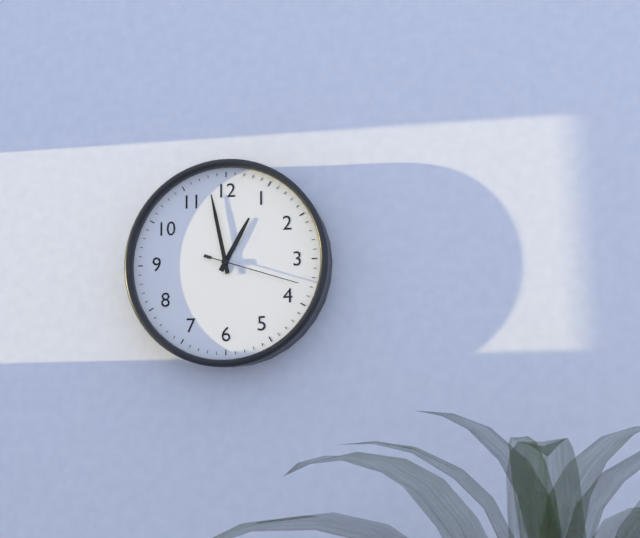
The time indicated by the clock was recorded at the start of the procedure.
12:58:18
